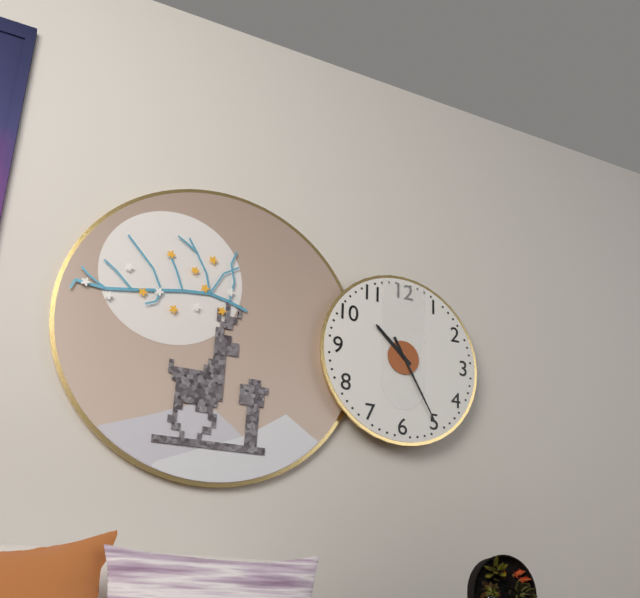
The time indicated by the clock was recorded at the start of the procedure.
10:25
